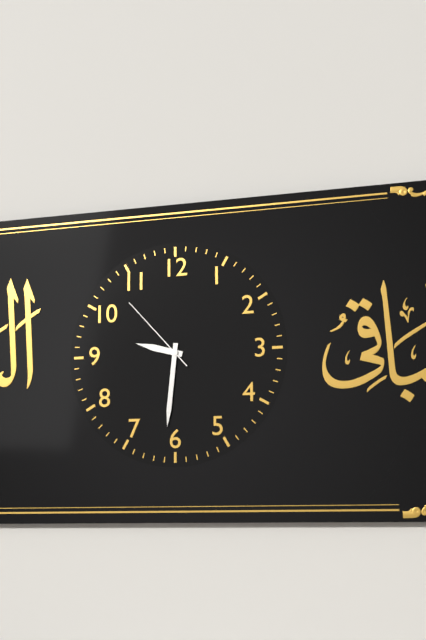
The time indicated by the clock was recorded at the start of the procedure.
9:31:53
